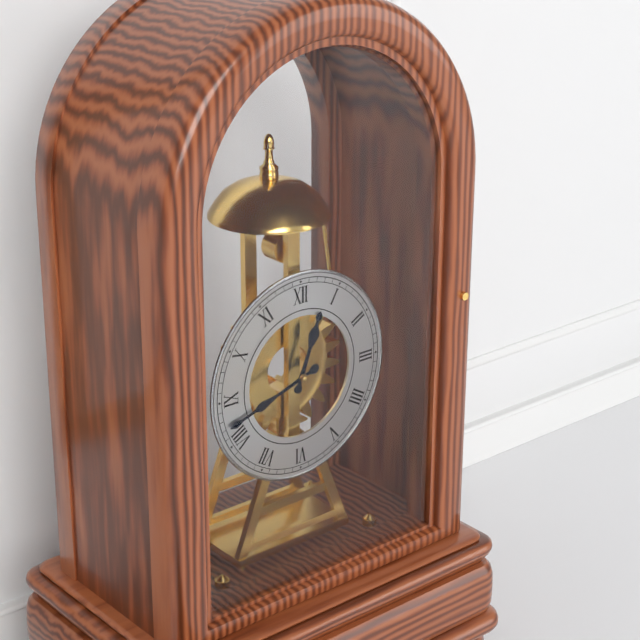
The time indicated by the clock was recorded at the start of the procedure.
12:42
